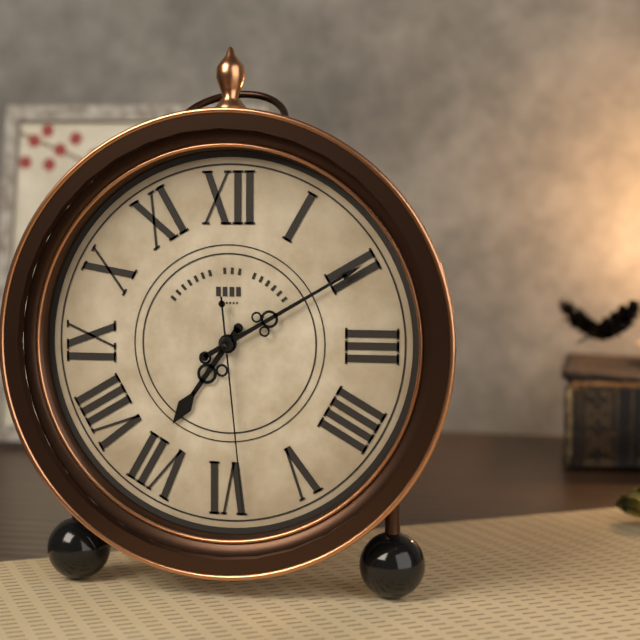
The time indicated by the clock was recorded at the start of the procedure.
7:10:29
